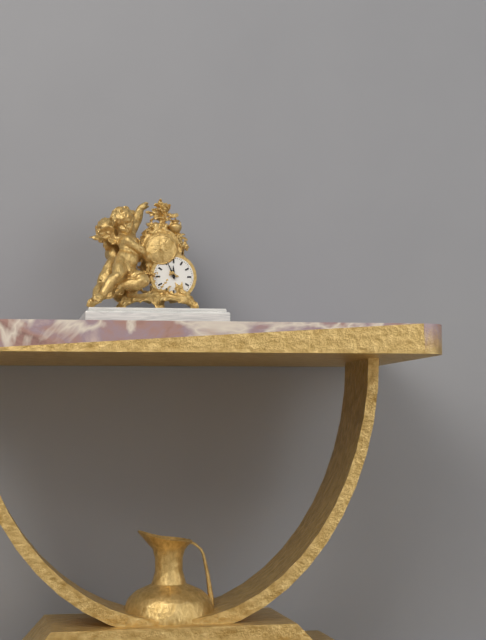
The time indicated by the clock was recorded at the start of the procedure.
11:56
